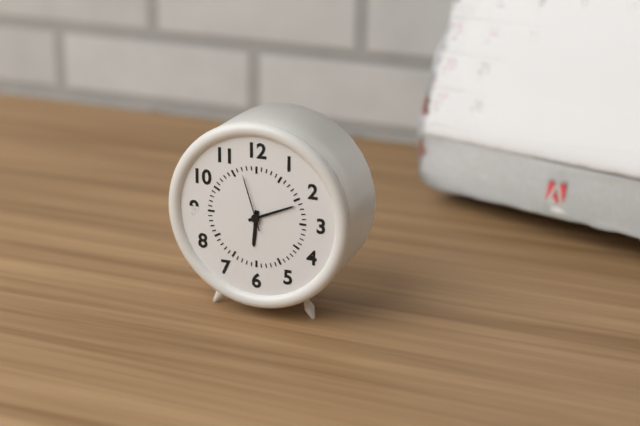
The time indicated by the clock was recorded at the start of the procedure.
6:11:57
